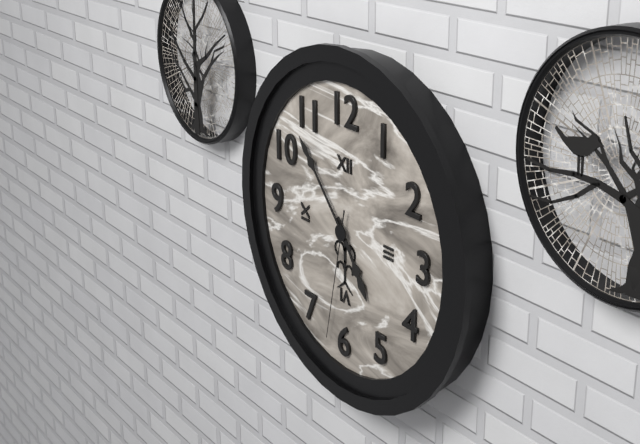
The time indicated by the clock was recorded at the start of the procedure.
4:53:32
